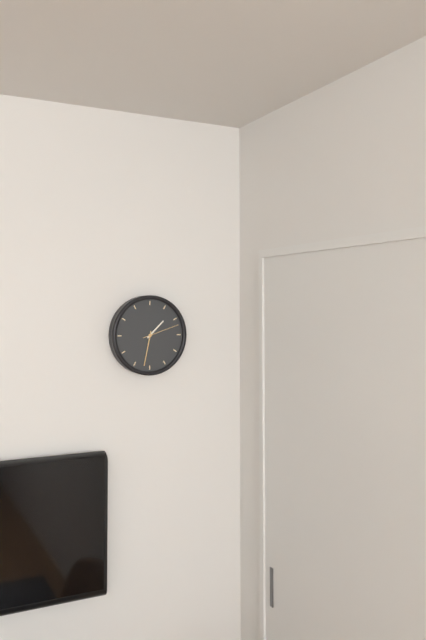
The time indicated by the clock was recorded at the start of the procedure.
1:32
